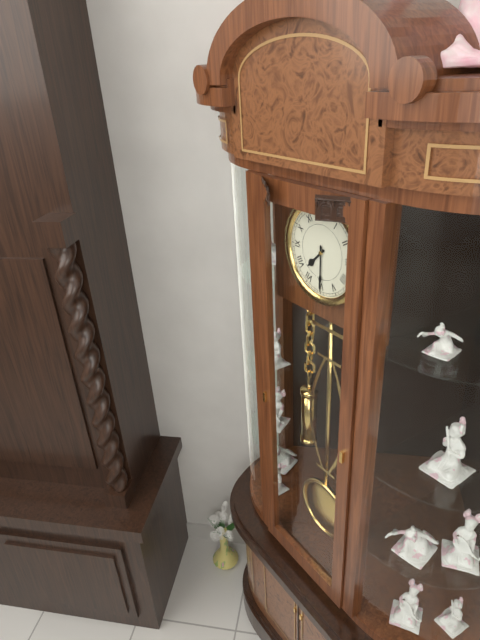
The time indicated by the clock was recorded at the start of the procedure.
7:30
